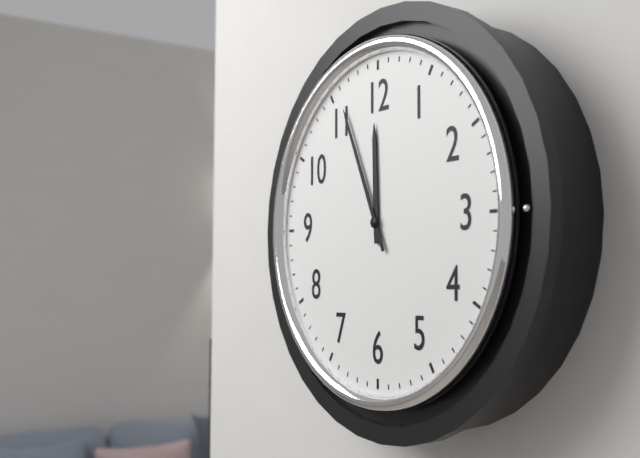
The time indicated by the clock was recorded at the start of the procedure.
11:56
